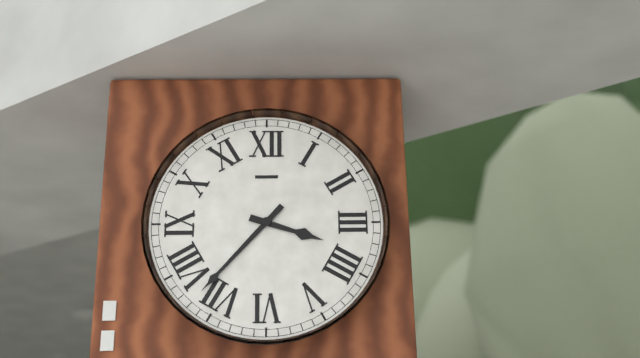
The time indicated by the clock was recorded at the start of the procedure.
3:37
